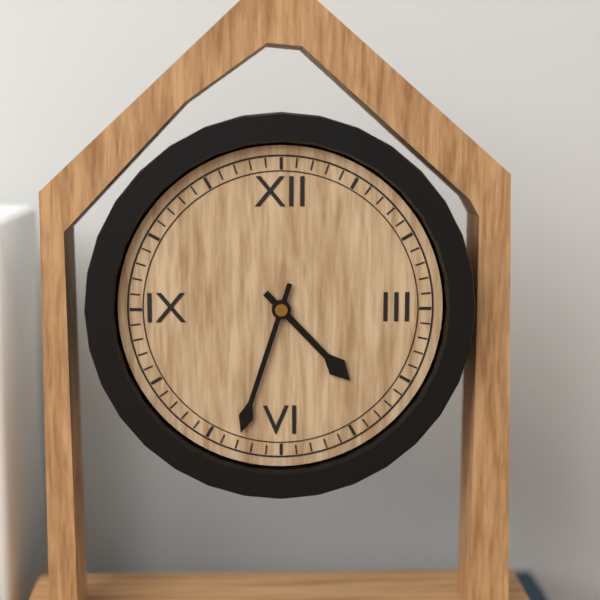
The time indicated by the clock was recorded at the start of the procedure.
4:33
